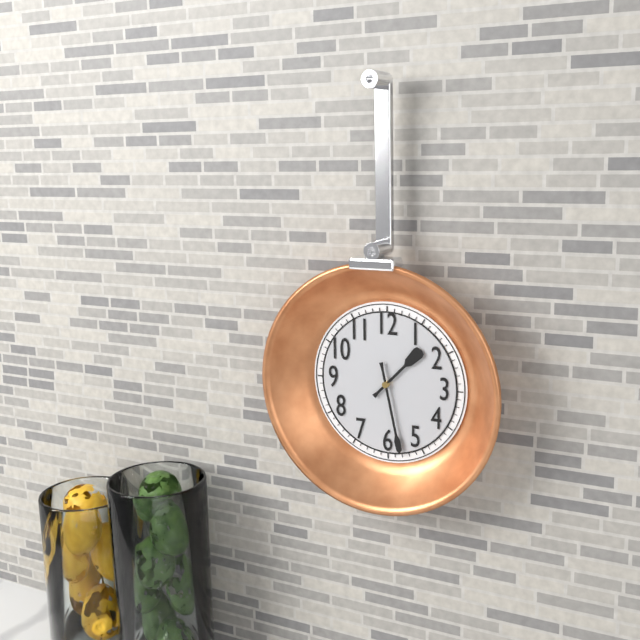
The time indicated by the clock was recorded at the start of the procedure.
1:28
